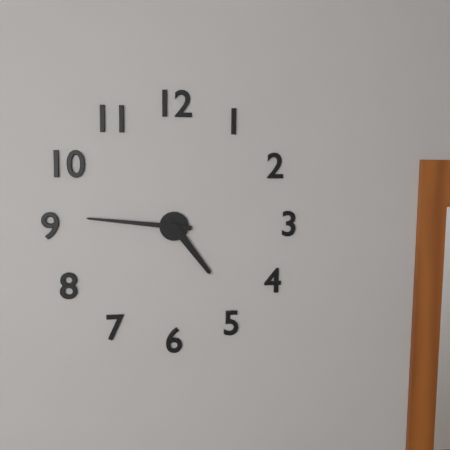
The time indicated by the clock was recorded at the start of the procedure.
4:46
